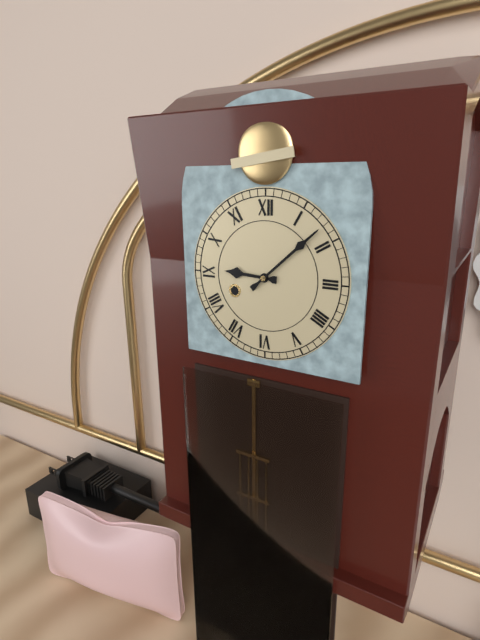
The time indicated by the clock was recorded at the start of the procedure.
9:08
